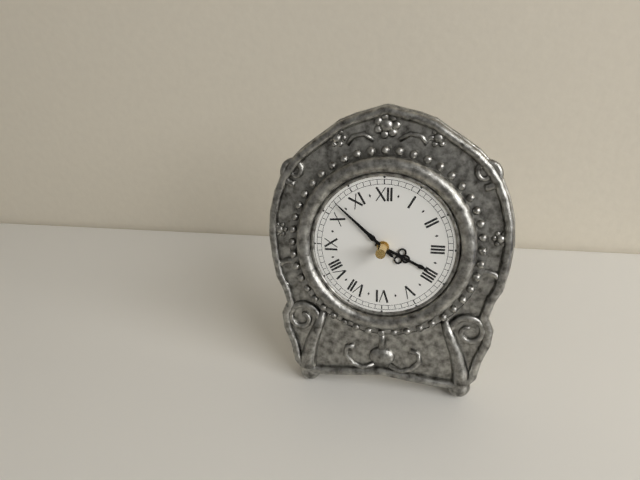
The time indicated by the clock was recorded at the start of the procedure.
3:52
